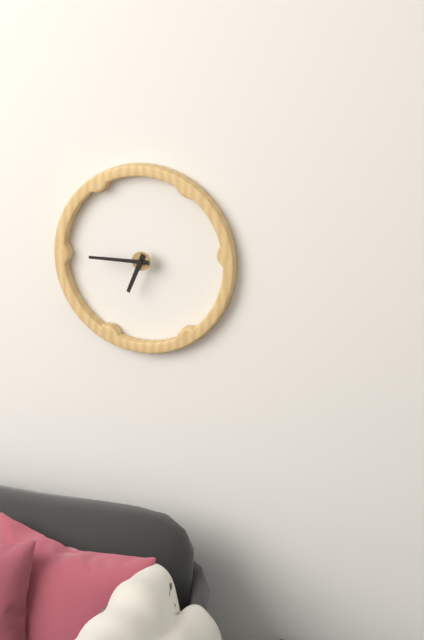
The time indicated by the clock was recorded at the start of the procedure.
6:45
